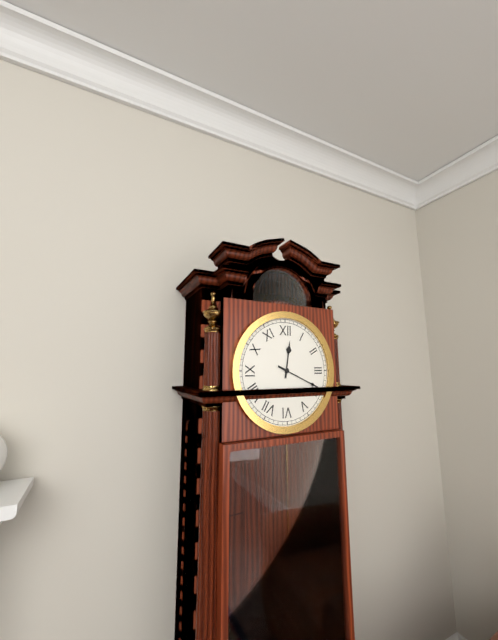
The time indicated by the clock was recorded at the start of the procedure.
12:19
